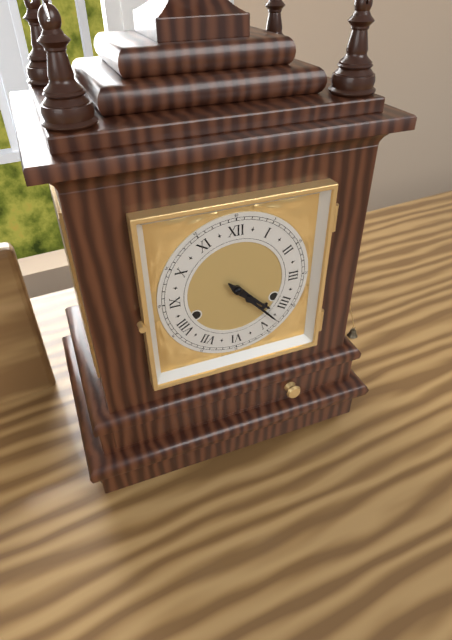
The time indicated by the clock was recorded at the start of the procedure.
4:23
